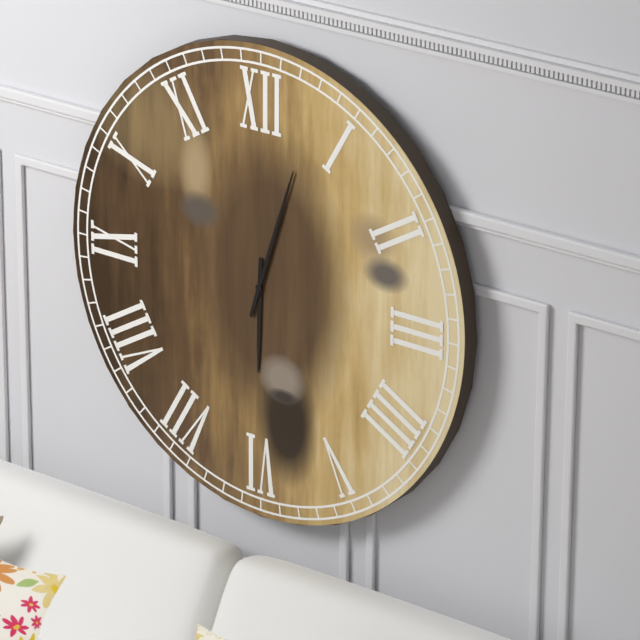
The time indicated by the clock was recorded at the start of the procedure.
6:03
